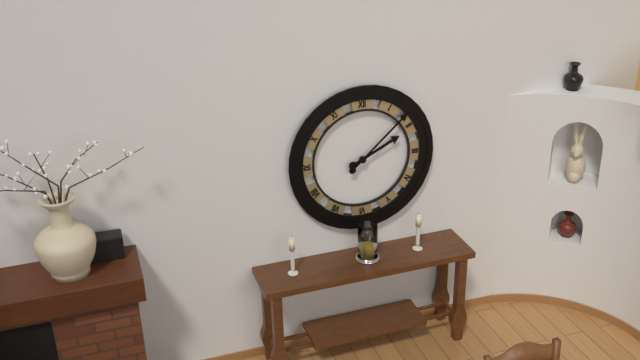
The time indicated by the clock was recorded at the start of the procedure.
2:08
